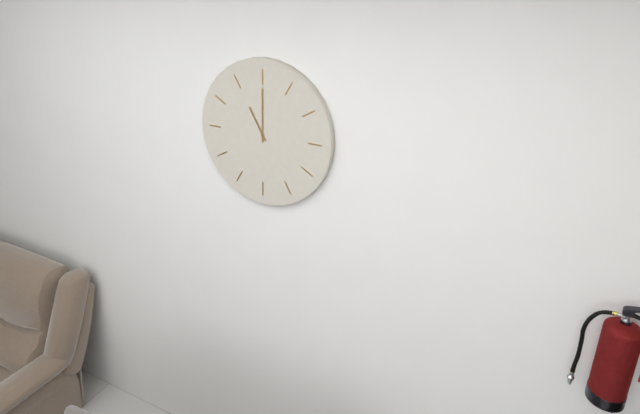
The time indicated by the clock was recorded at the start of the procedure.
11:00
